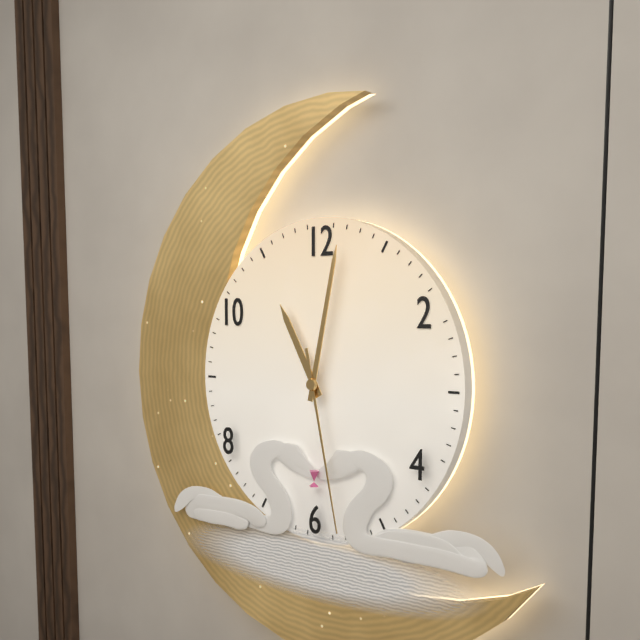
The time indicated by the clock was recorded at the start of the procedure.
11:02:28
